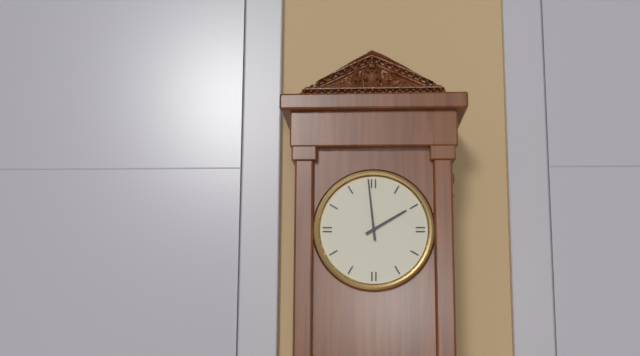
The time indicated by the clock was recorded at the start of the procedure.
1:59
